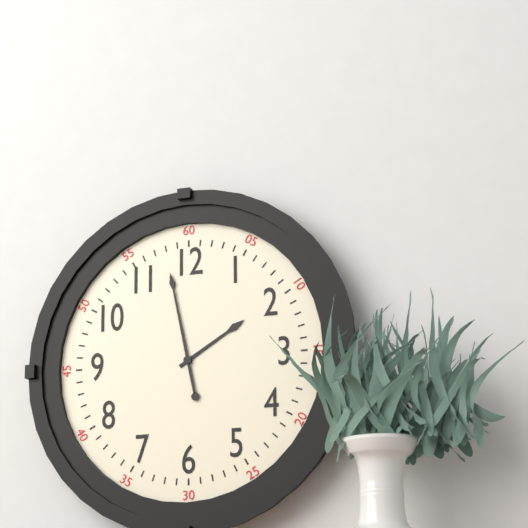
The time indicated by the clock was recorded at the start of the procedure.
1:58
